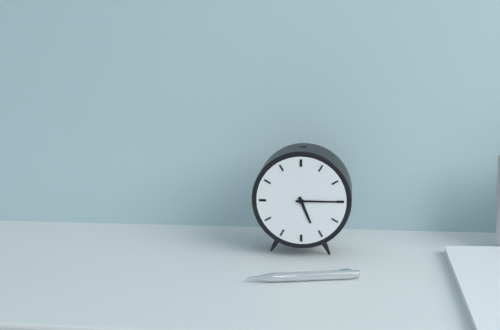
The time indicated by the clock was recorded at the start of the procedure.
5:15
